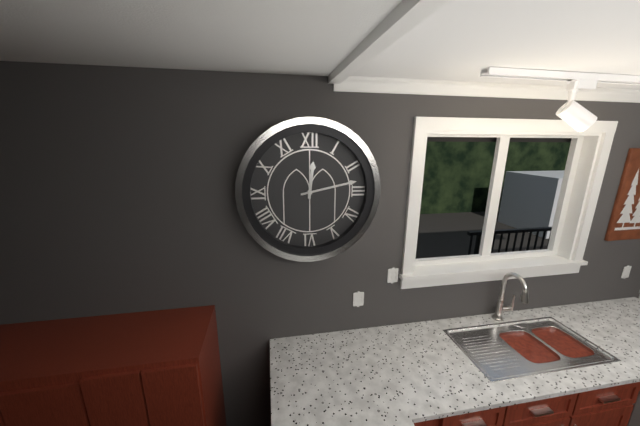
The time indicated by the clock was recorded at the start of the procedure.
12:13
